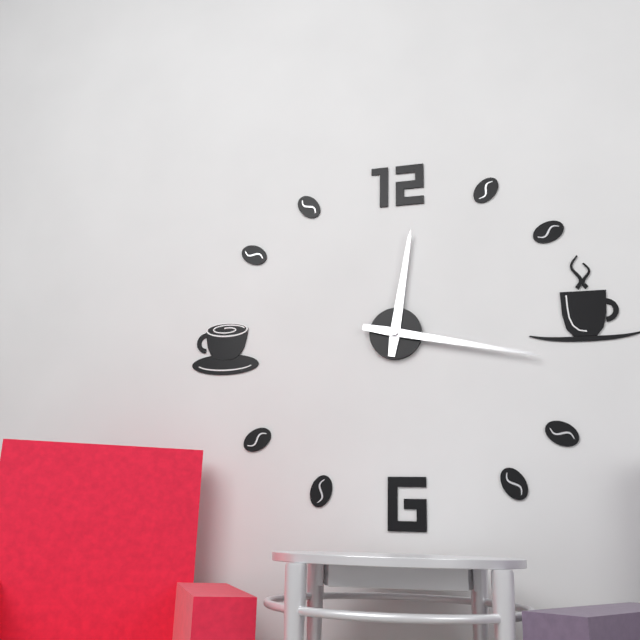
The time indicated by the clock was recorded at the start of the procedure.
12:17
